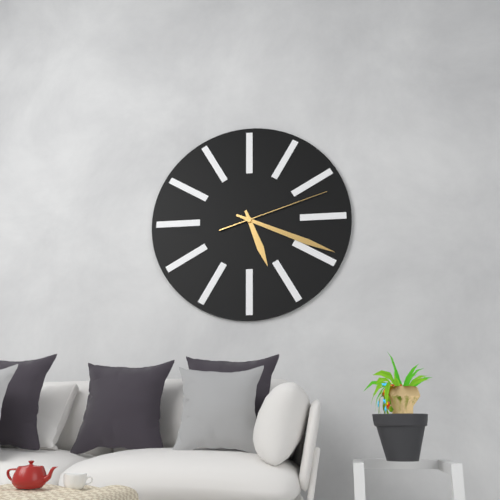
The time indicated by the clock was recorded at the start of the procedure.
5:19:12
